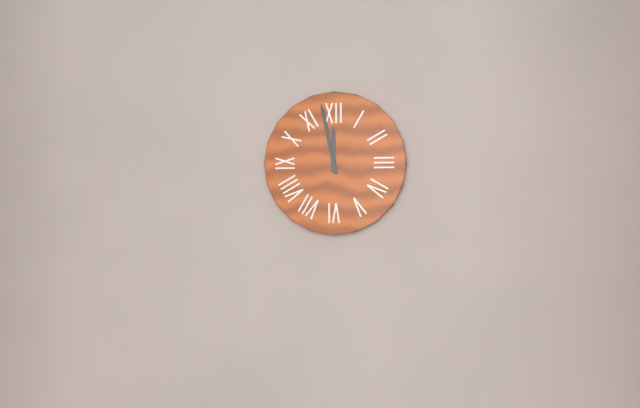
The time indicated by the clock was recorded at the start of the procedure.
11:58
